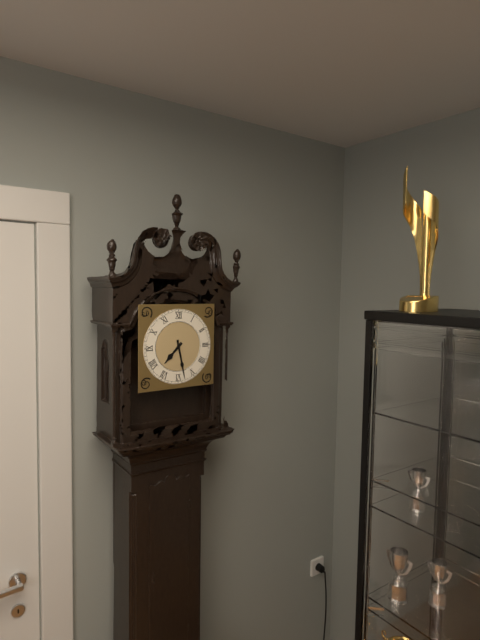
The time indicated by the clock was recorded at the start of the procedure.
7:28
